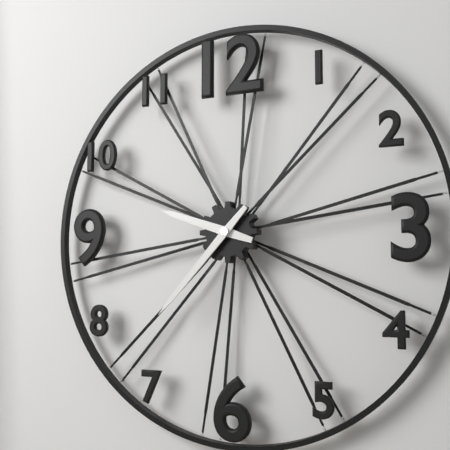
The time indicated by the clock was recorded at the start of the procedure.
9:37
